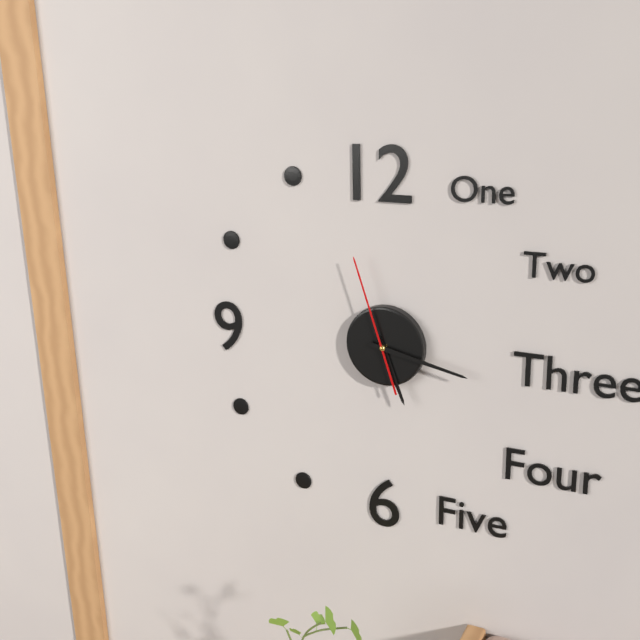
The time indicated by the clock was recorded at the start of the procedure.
5:17:57
